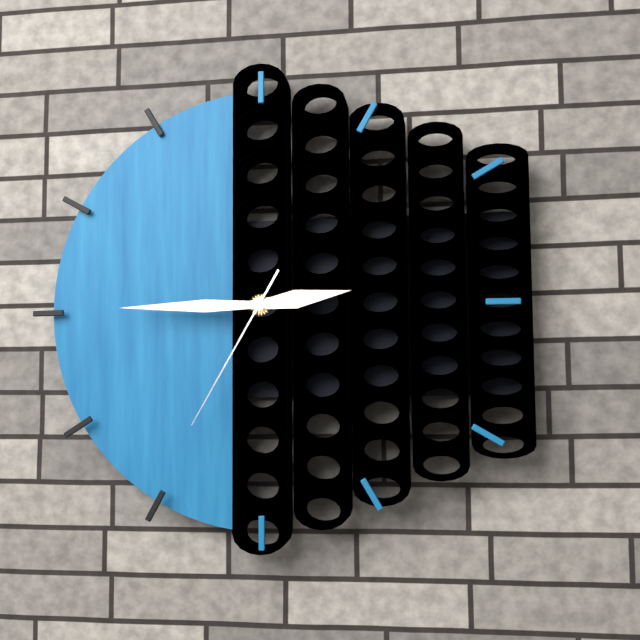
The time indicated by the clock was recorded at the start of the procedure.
2:45:35
